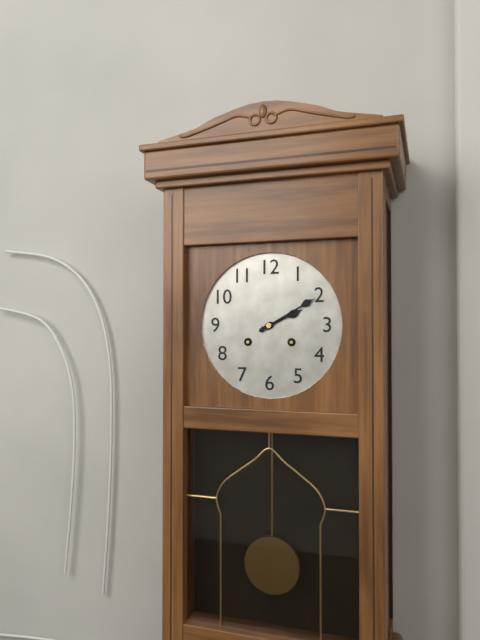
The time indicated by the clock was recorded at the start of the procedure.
2:10
